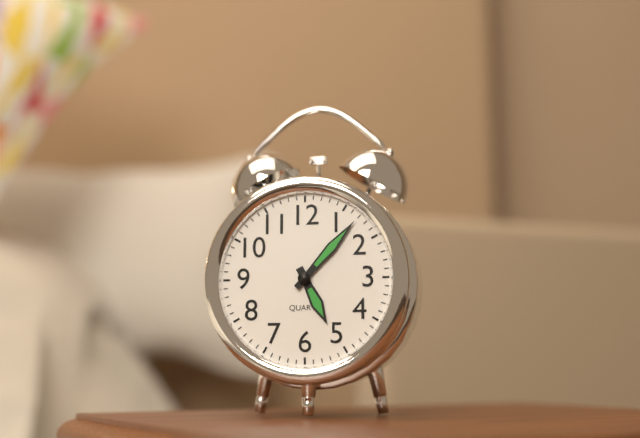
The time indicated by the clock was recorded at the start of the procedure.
5:07
